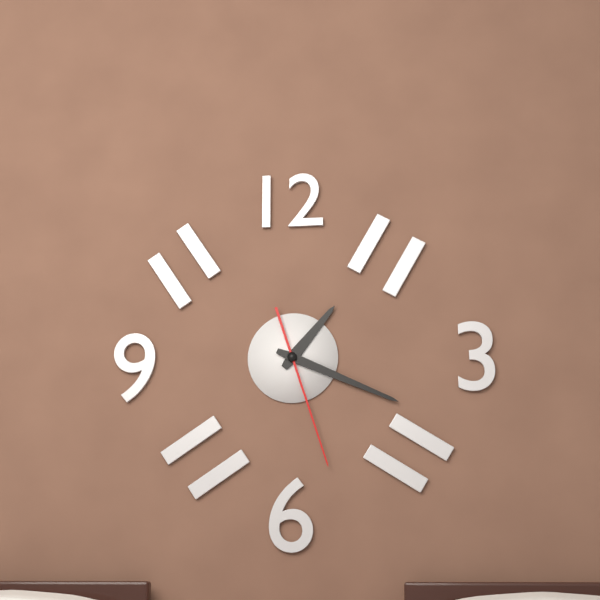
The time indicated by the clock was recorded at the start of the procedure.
1:19:27
